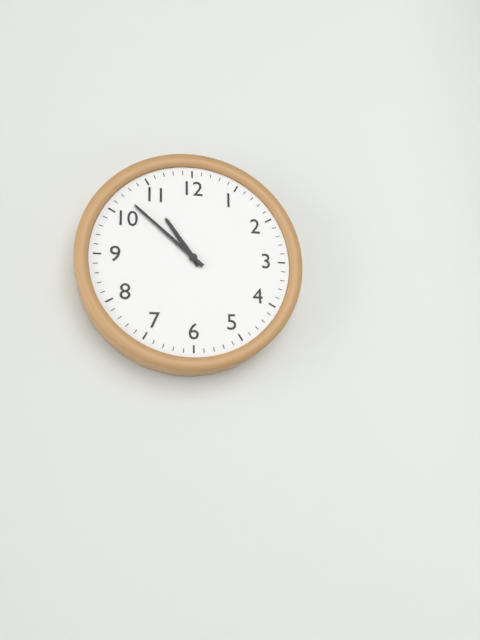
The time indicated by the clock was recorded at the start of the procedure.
10:52
